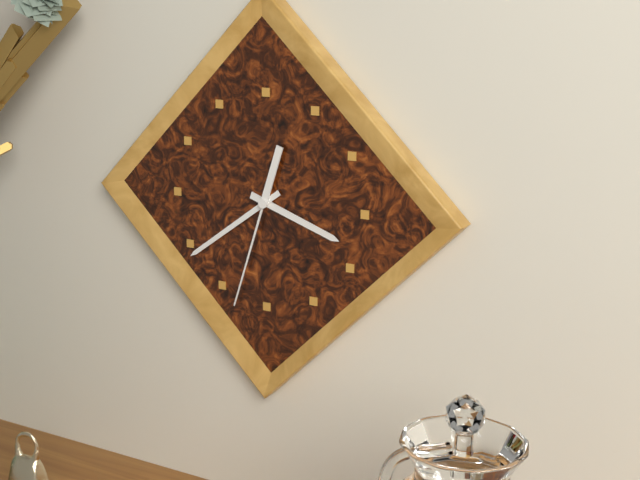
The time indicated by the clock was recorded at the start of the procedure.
3:39:33
